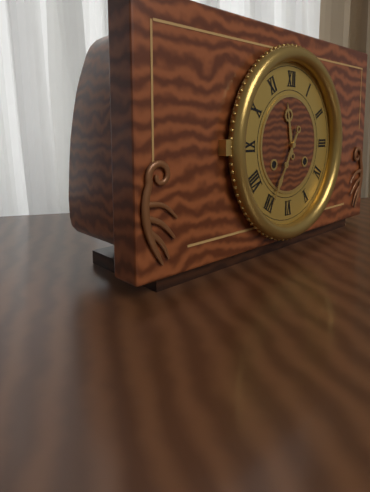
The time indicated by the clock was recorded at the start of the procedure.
11:35
